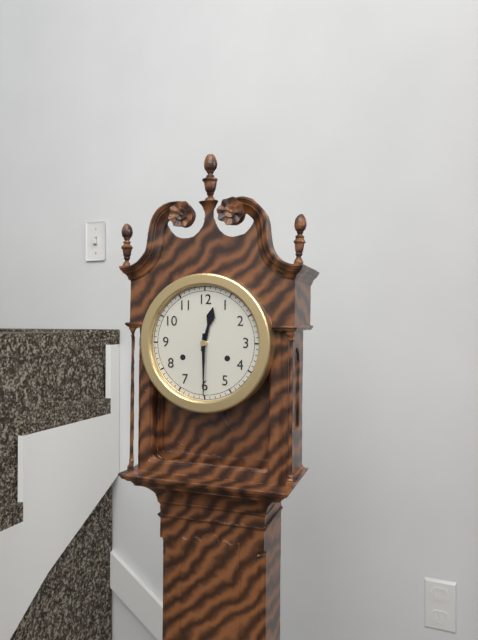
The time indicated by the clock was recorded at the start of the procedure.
12:30
